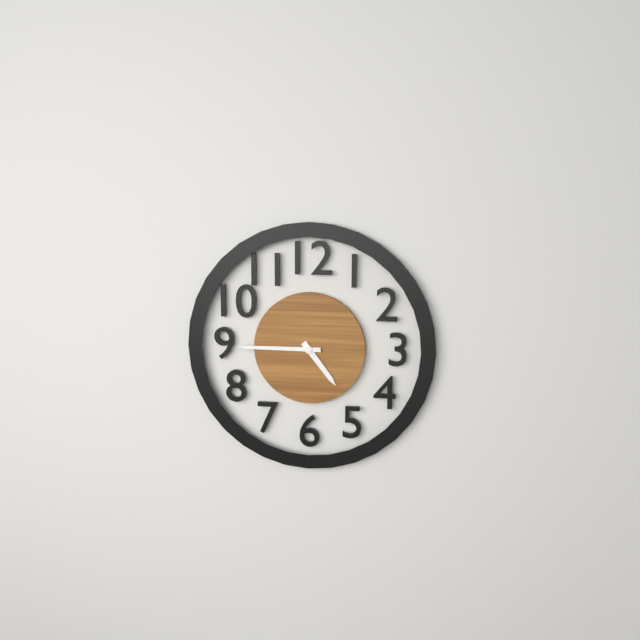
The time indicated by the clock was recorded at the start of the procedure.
4:45
